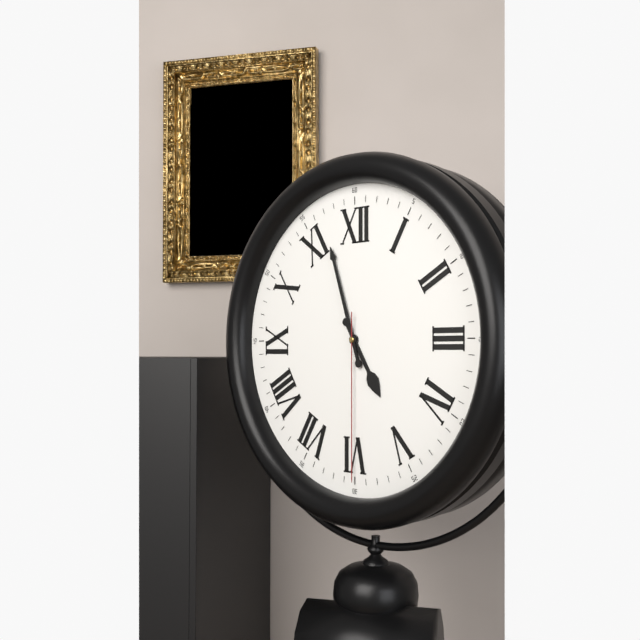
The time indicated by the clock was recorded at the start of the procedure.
4:57:30
